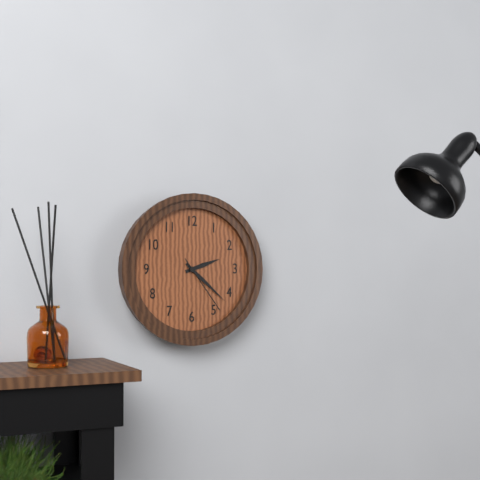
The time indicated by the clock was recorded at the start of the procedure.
2:22:24
